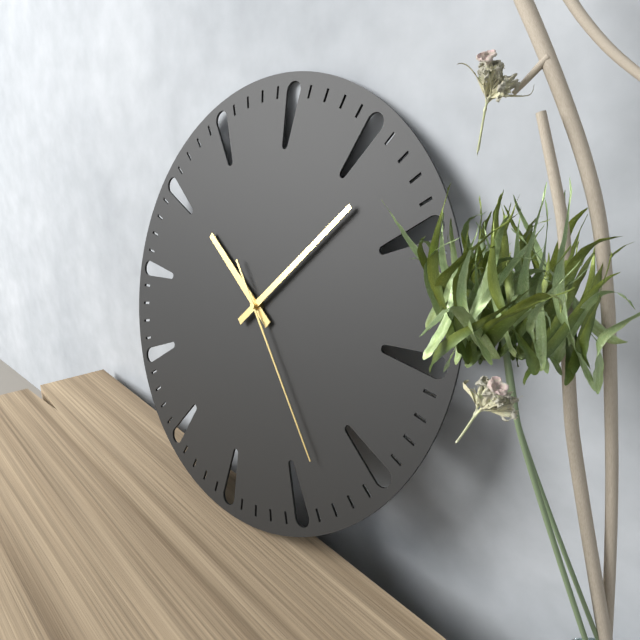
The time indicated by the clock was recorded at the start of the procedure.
10:07:23
